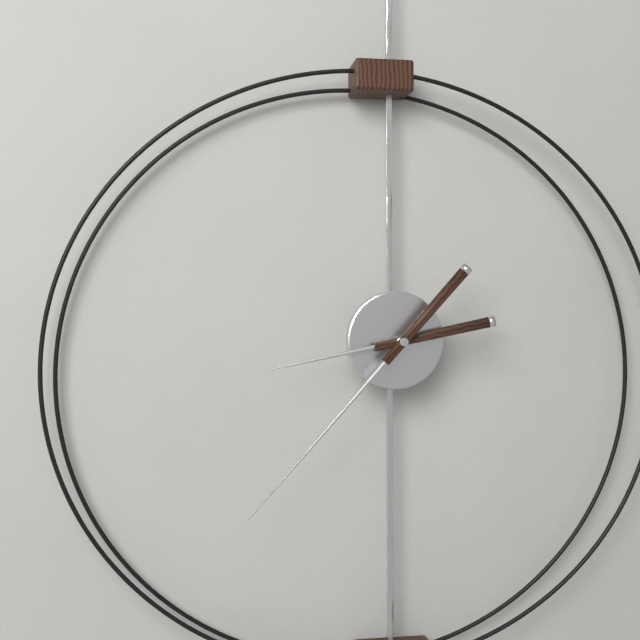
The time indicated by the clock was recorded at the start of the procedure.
8:37
